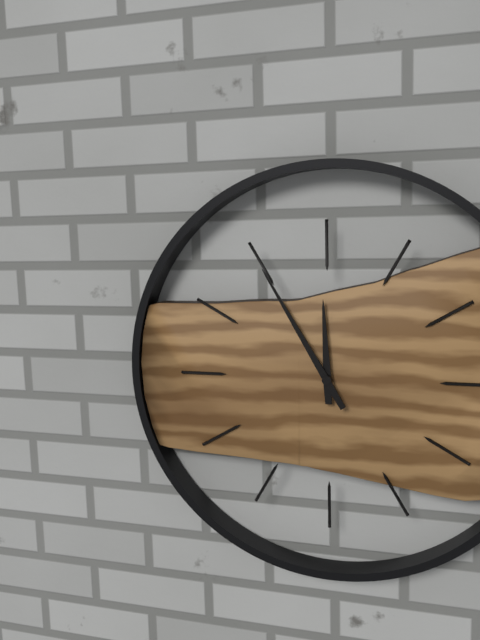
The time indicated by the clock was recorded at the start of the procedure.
11:55
